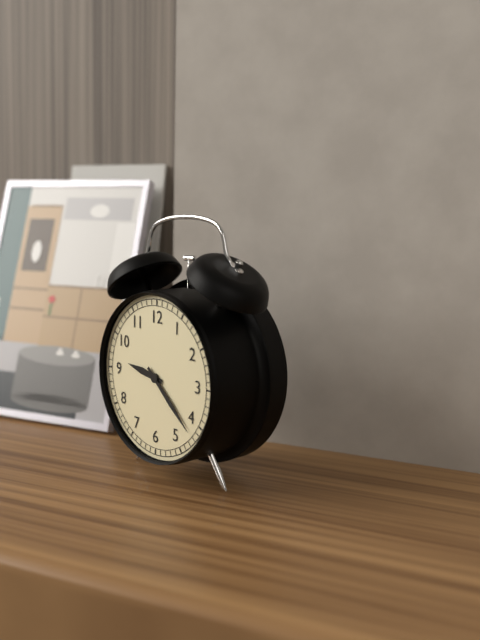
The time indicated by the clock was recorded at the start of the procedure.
9:22
